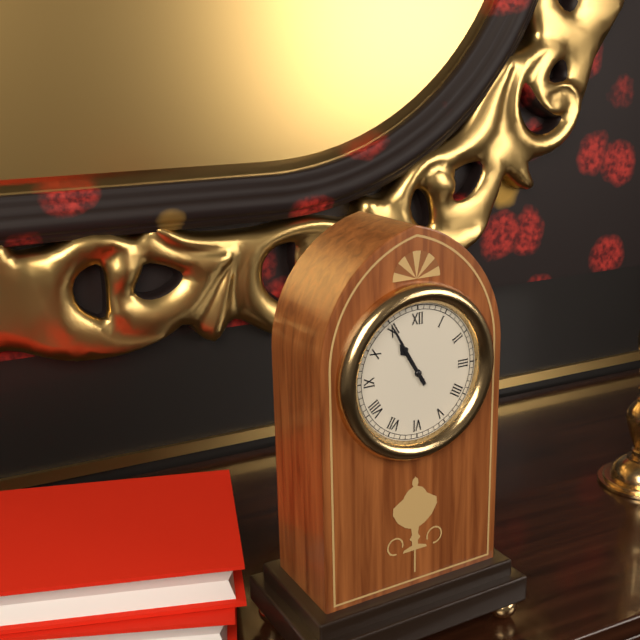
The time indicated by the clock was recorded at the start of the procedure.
10:55
